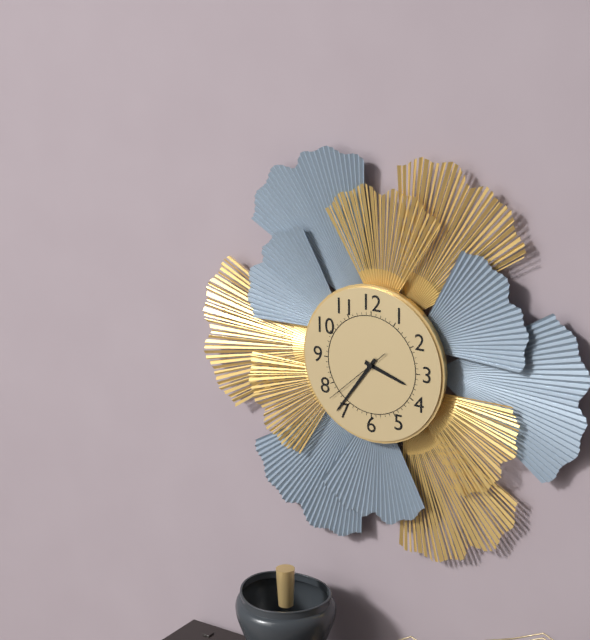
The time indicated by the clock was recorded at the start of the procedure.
3:36:38
